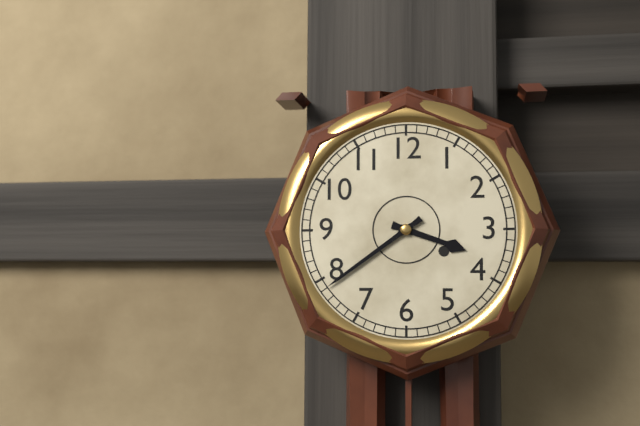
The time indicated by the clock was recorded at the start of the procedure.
3:39
